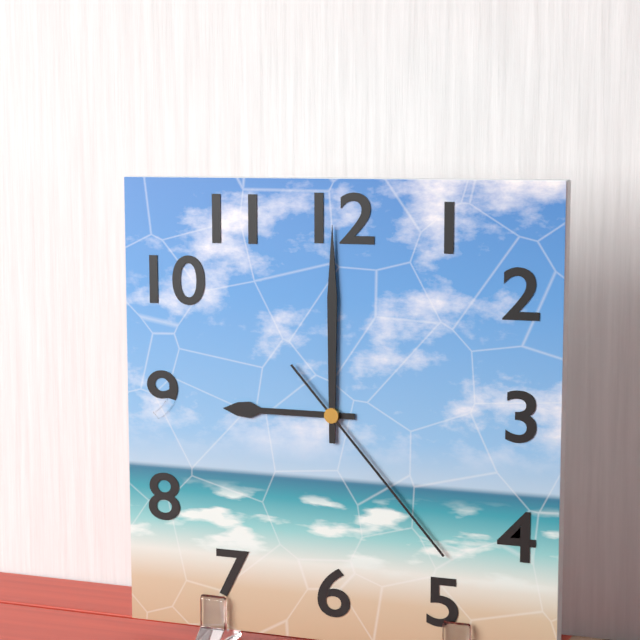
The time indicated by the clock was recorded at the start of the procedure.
9:00:23
